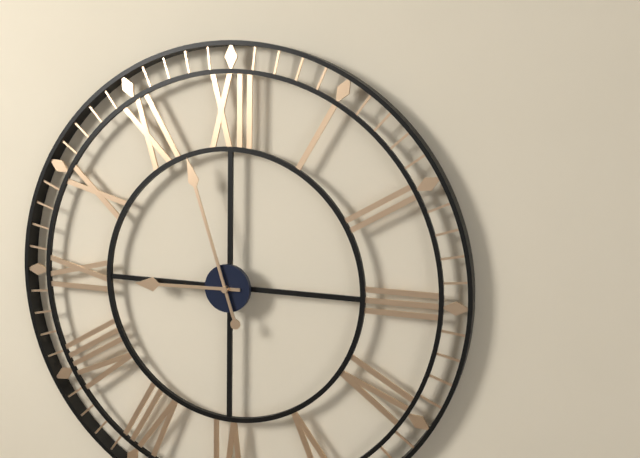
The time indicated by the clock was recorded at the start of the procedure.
8:57
